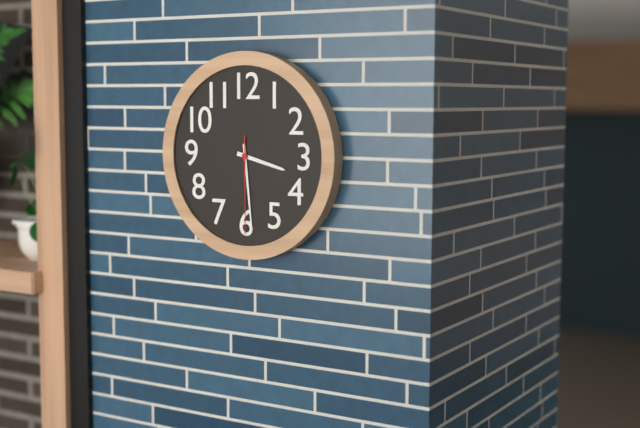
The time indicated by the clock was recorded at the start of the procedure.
3:29:30
